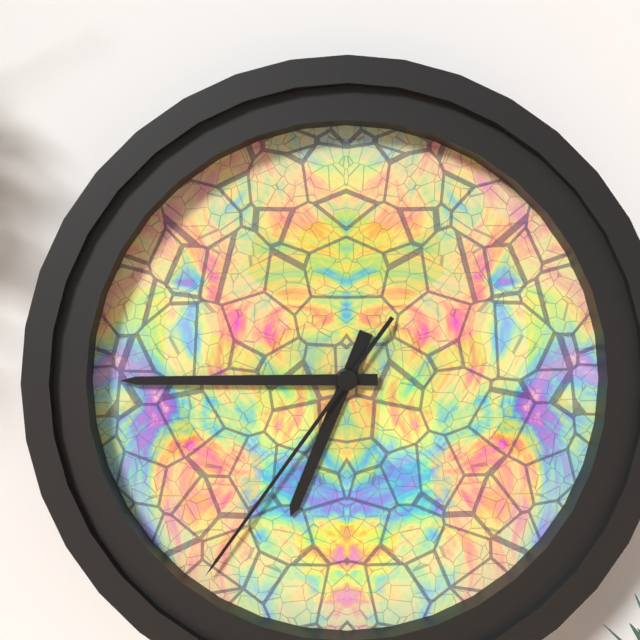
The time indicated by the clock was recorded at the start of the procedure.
6:45:36
